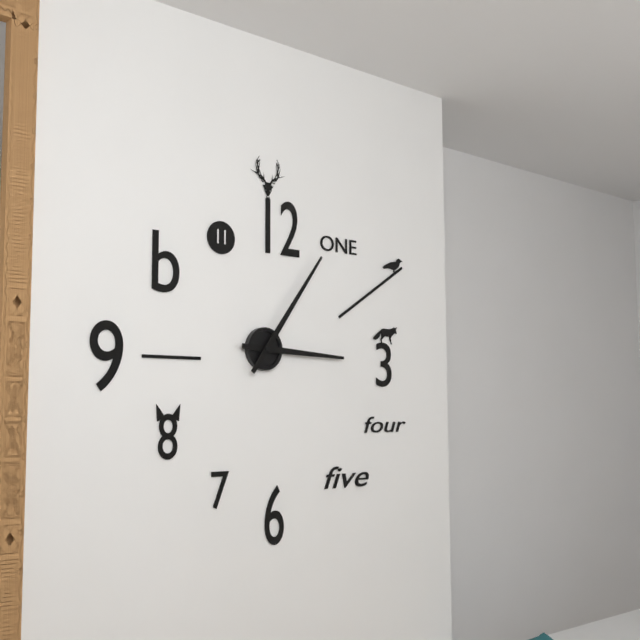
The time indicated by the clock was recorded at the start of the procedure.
3:06
